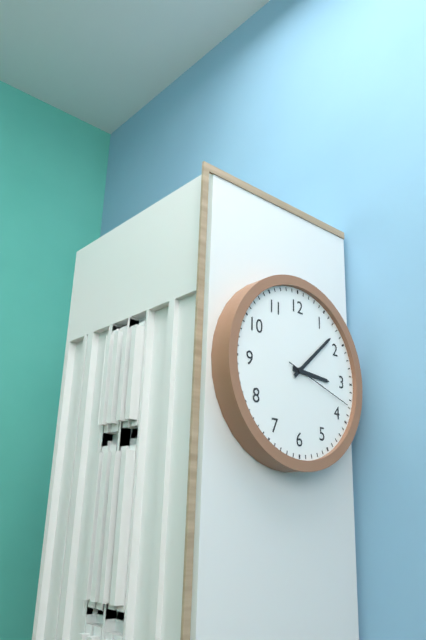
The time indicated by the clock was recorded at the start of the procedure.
3:08:18
